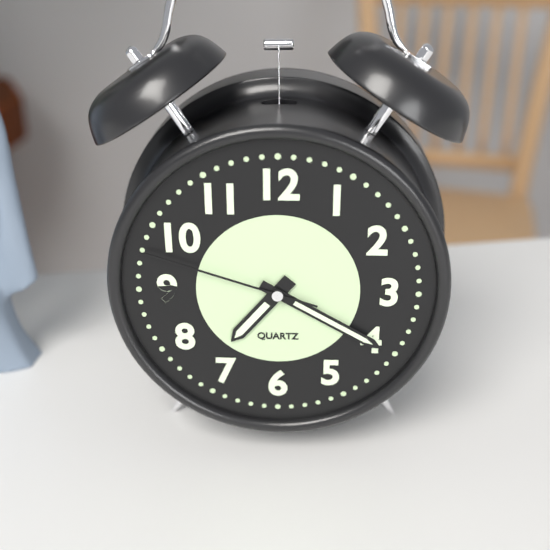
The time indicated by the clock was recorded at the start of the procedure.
7:20:48
